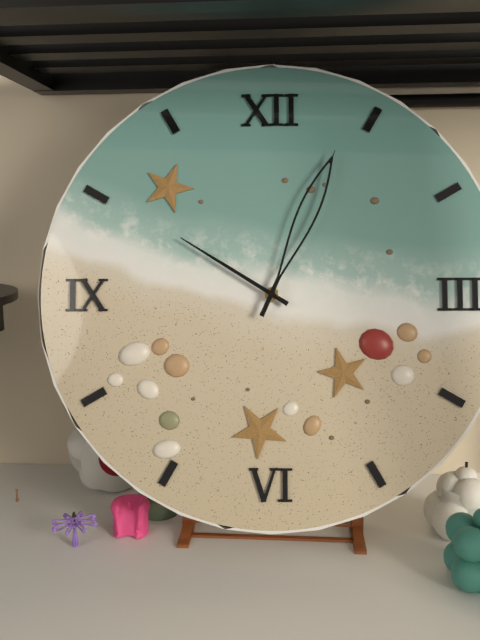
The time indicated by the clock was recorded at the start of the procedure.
10:04
